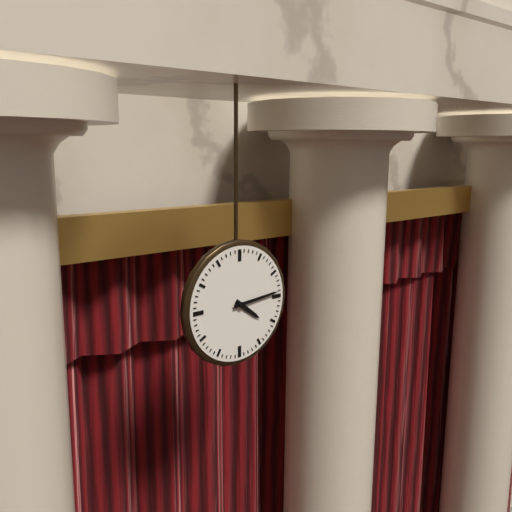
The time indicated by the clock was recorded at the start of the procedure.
4:14
